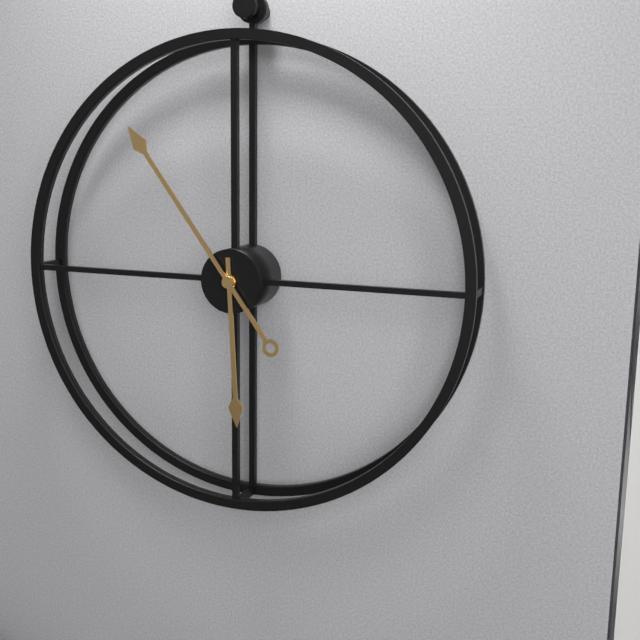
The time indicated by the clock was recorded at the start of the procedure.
5:54
